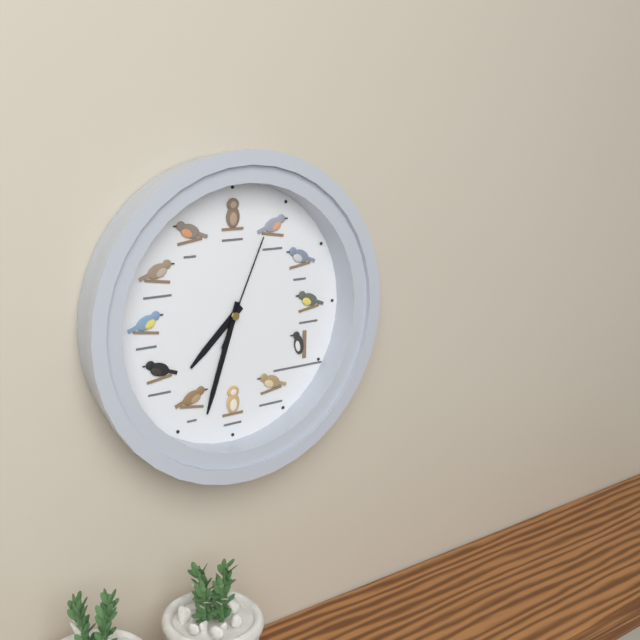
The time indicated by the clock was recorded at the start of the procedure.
7:33:04
